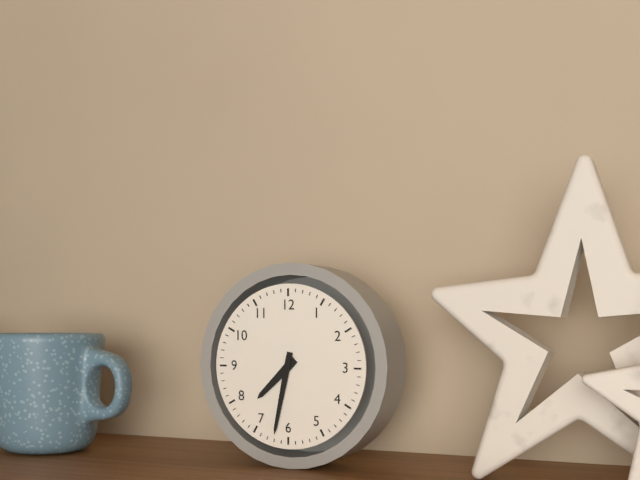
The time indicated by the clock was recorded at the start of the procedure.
7:32
